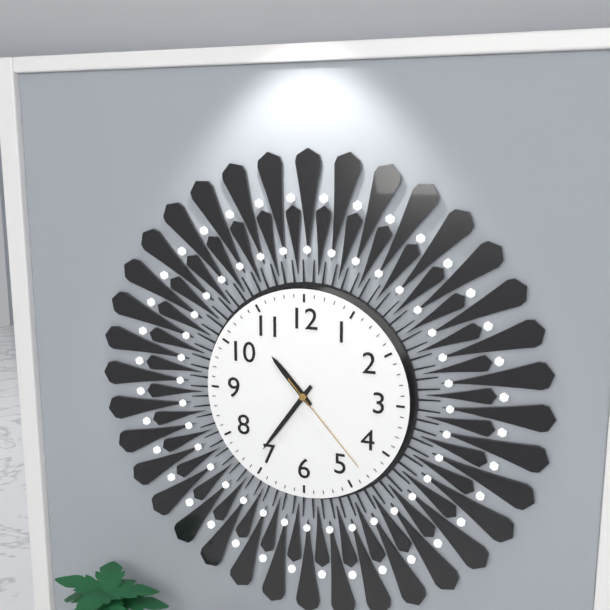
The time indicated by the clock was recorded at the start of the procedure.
10:36:23
